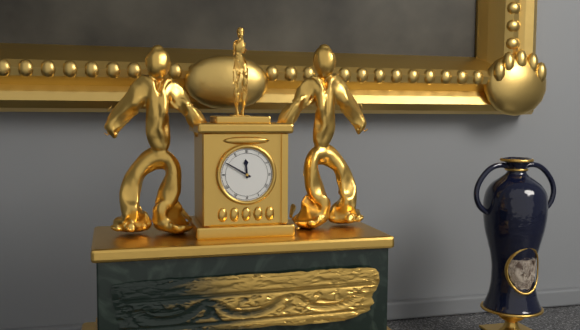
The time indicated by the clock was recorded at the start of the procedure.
11:50
